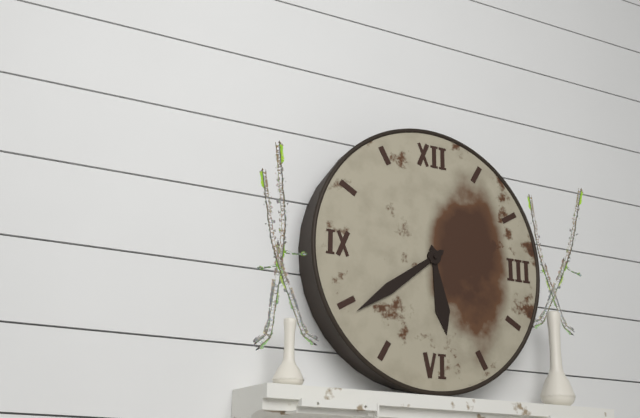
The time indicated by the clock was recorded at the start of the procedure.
5:39
